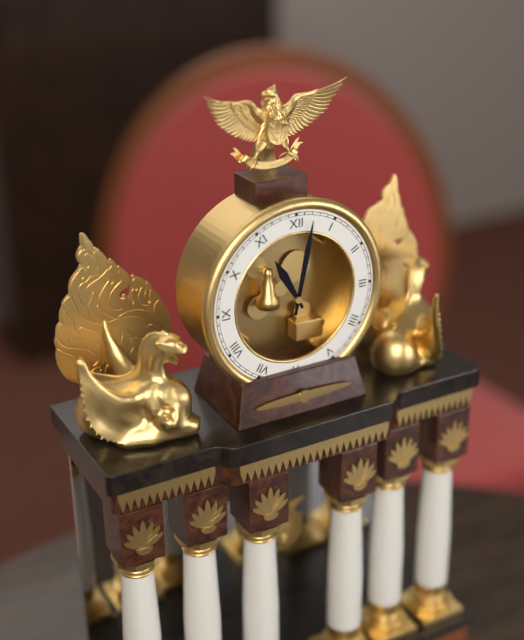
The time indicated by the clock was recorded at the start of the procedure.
11:02
